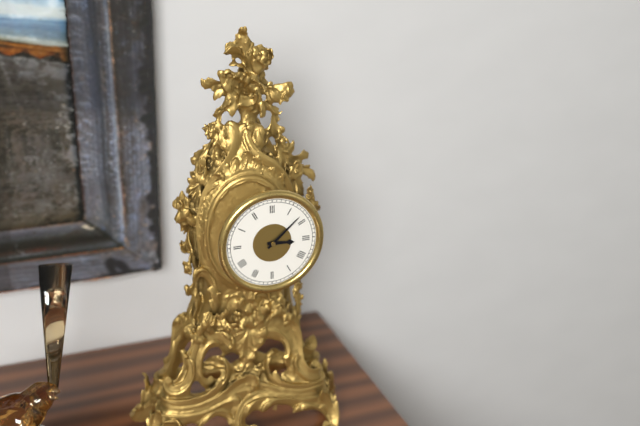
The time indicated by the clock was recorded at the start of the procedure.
3:08
